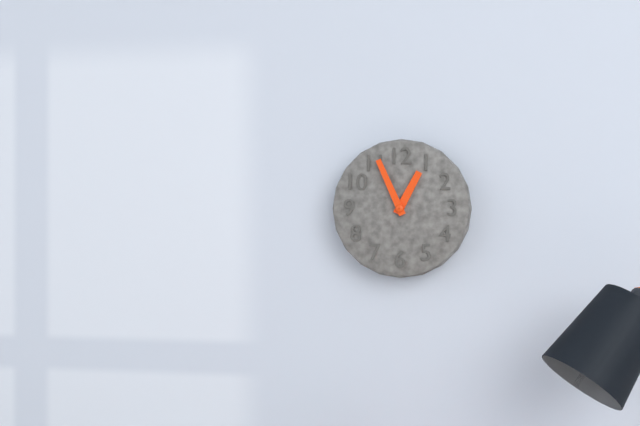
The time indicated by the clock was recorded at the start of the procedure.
12:56
